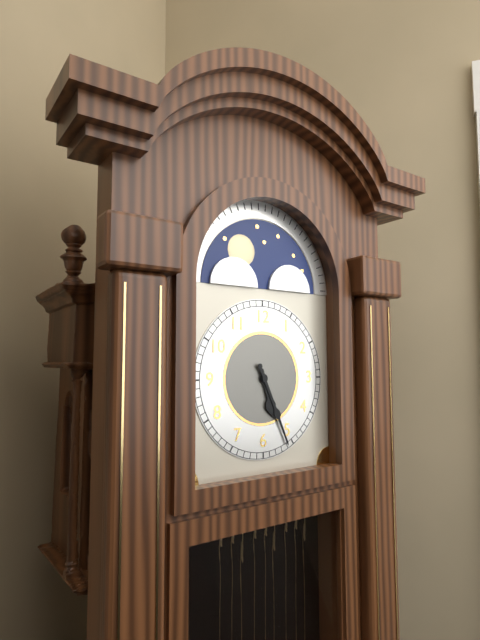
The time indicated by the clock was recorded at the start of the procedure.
5:26
